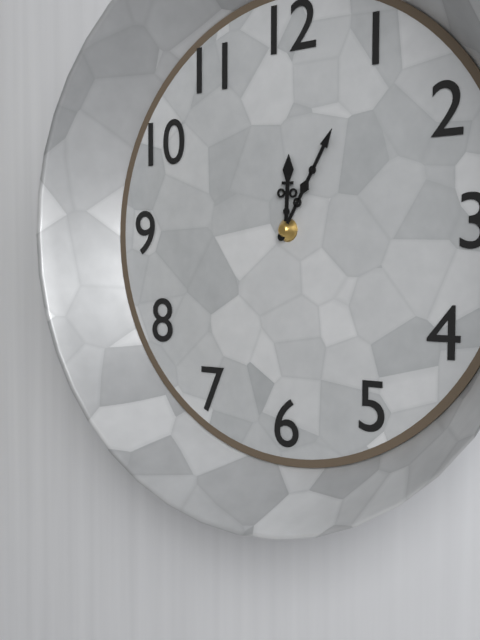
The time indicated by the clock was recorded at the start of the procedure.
12:05
